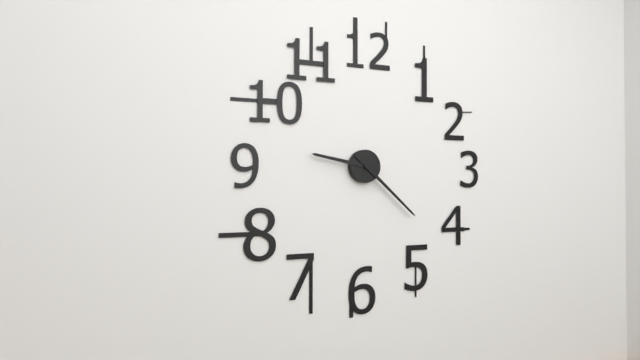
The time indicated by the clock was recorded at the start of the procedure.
9:22
